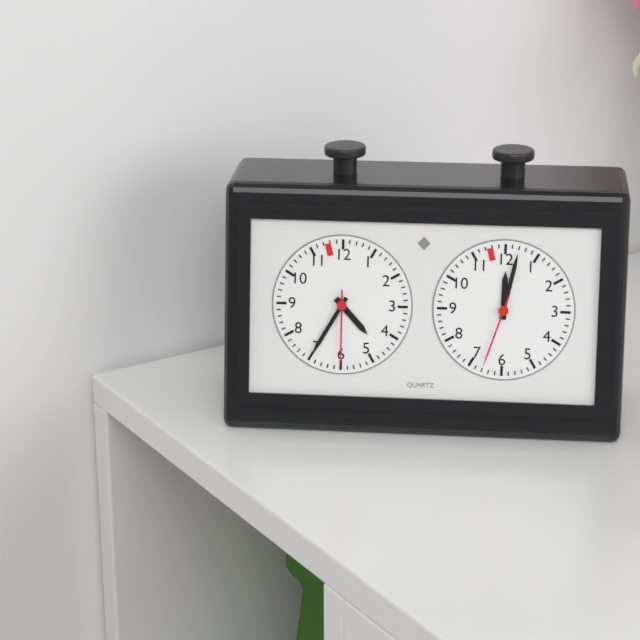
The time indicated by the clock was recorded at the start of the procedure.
4:35:30
